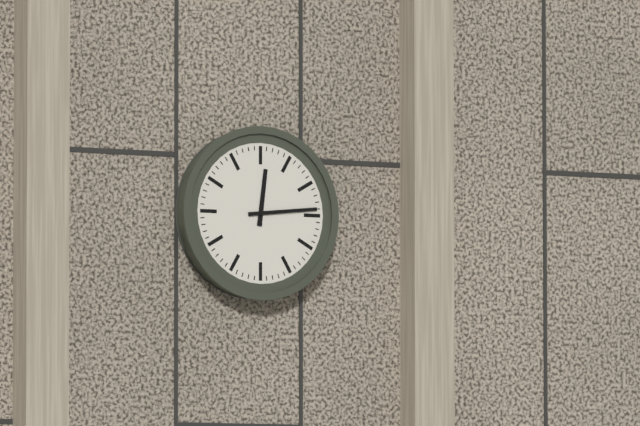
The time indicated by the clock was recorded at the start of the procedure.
12:14
